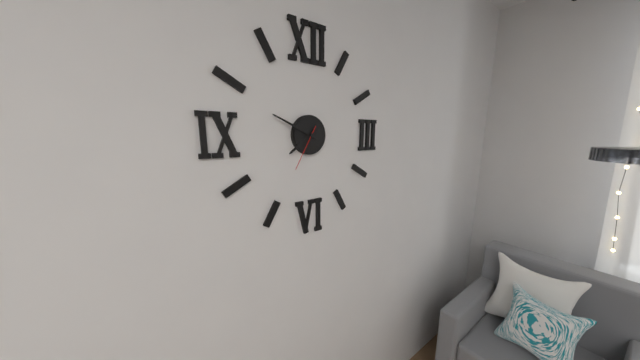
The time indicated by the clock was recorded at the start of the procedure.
7:49
